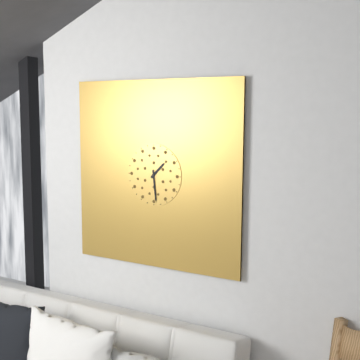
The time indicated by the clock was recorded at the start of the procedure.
1:29
